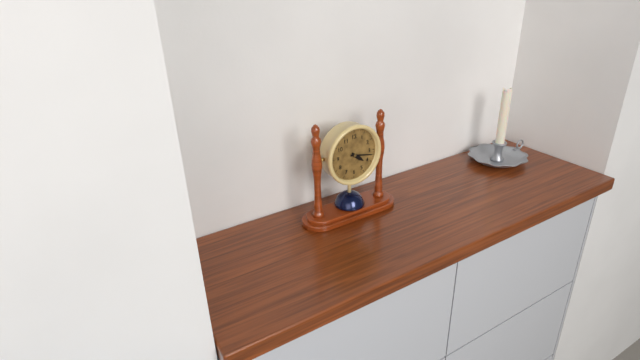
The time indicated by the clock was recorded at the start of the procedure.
4:17
